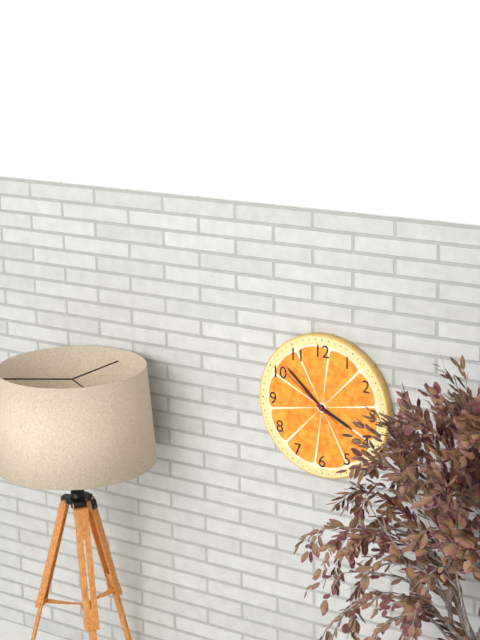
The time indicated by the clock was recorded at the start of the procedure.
3:52:51
